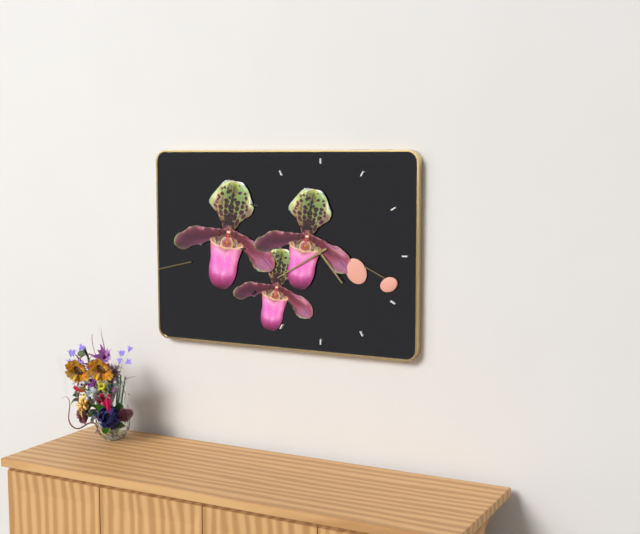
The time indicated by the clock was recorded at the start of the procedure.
4:40
